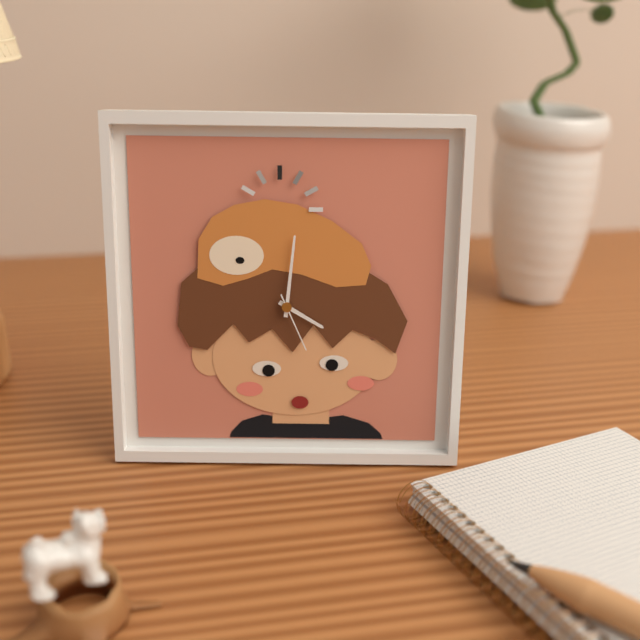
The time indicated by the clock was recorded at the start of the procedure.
4:01:26
